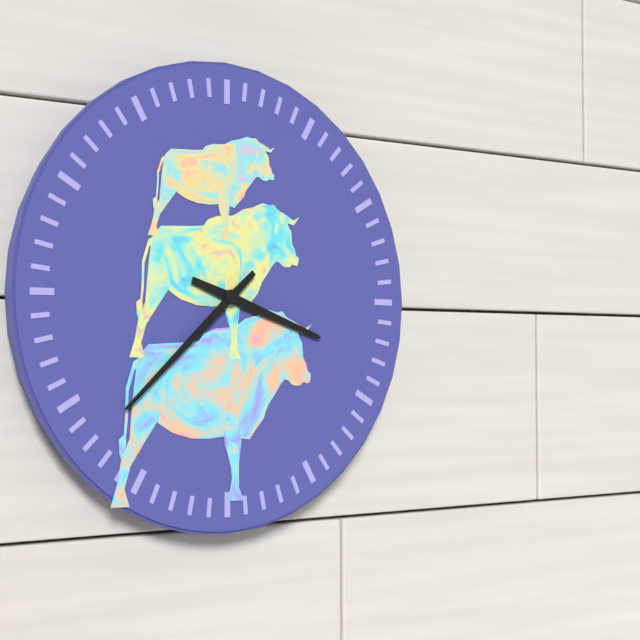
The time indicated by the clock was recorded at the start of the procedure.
3:38
